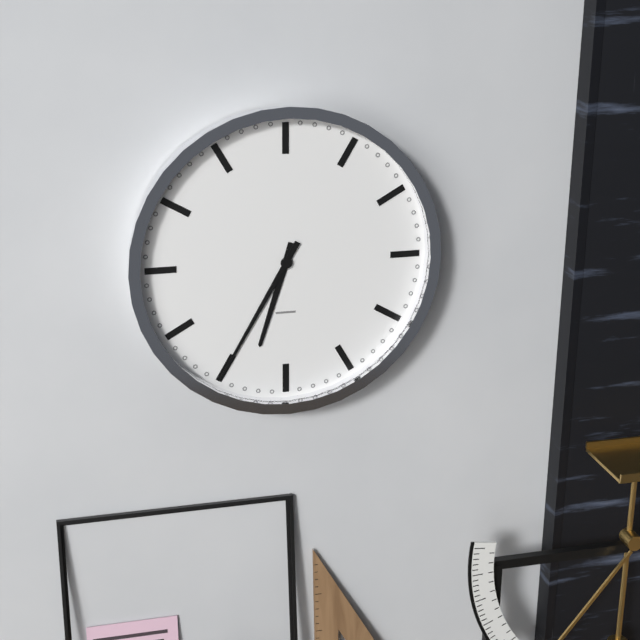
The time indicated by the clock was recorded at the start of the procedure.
6:35
